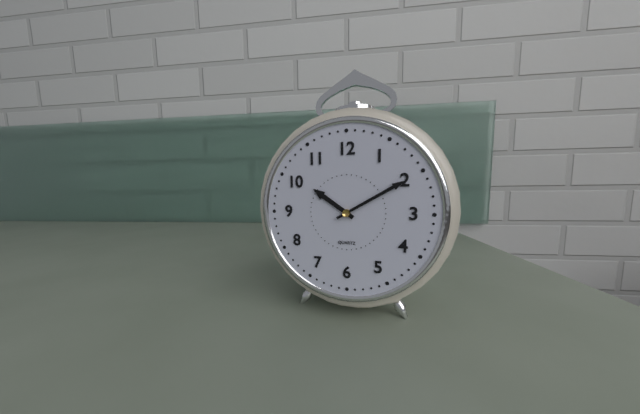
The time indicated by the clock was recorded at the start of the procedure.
10:10
